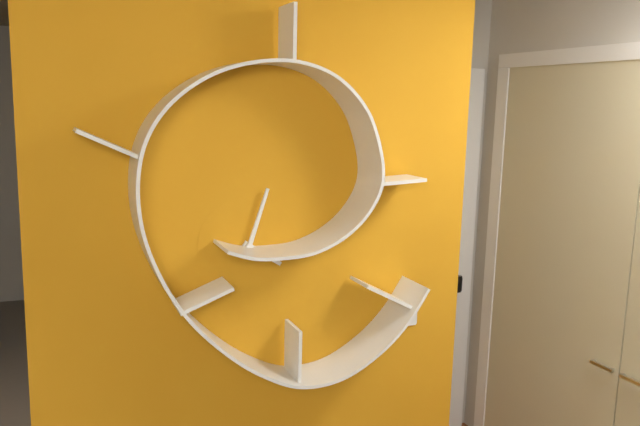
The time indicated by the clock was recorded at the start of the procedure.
4:03
